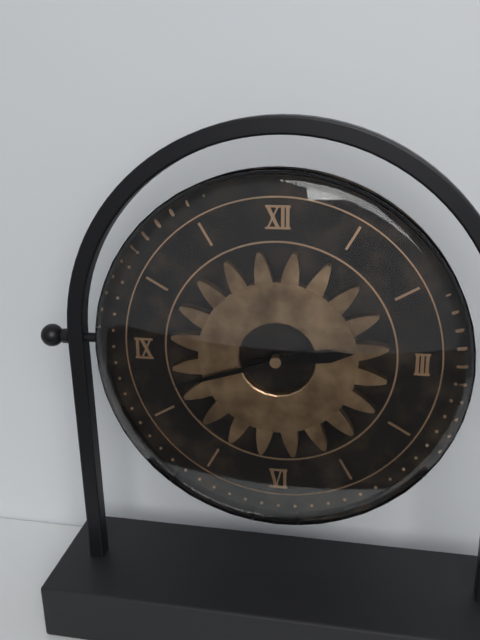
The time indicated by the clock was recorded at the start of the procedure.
2:42
